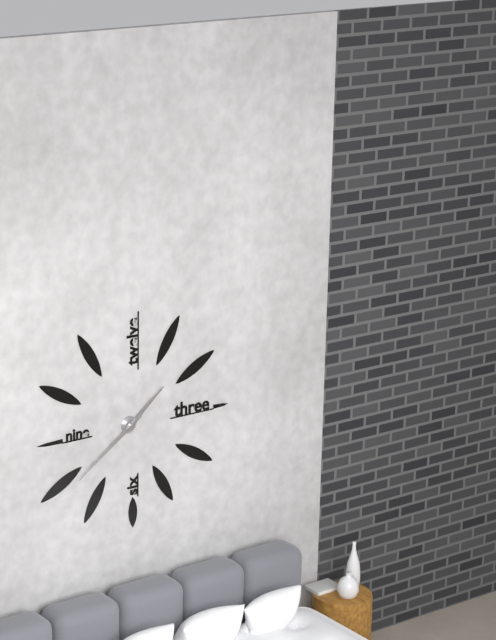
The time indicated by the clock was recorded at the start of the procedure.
1:39
